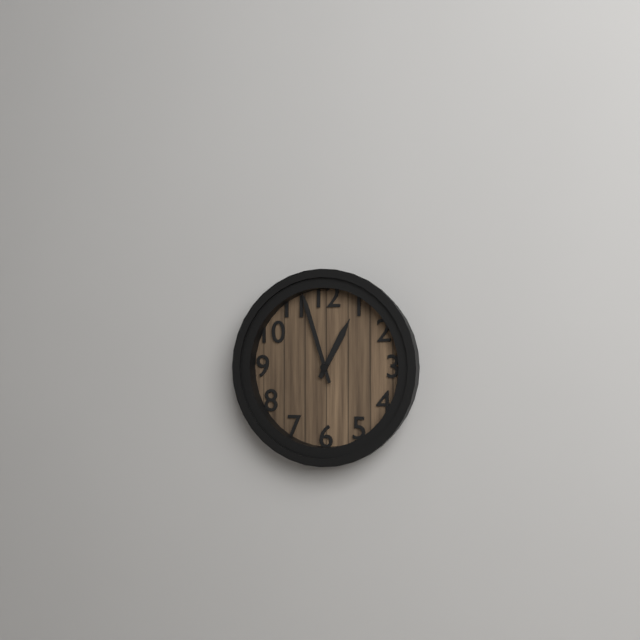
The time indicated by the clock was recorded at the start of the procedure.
12:57
